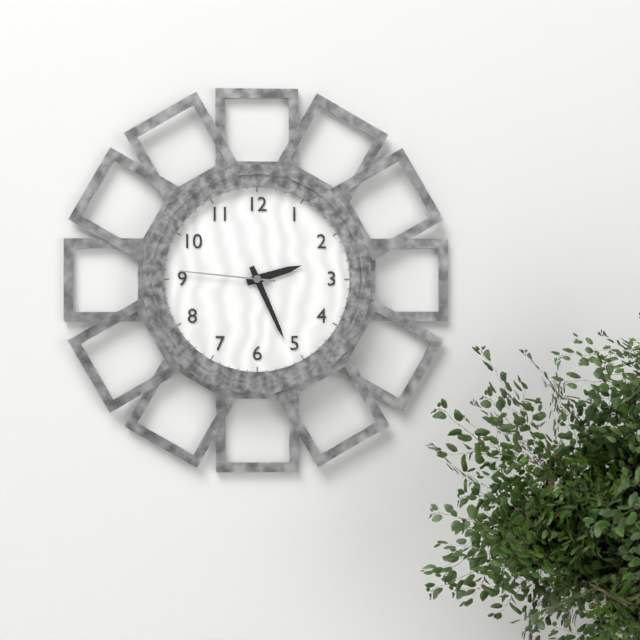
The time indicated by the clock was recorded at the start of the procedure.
2:26:46
